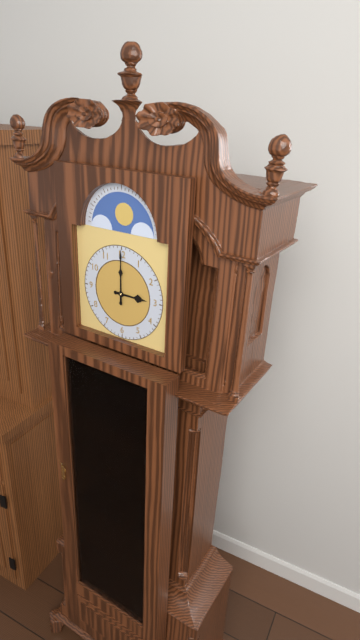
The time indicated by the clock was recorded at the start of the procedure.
3:00
